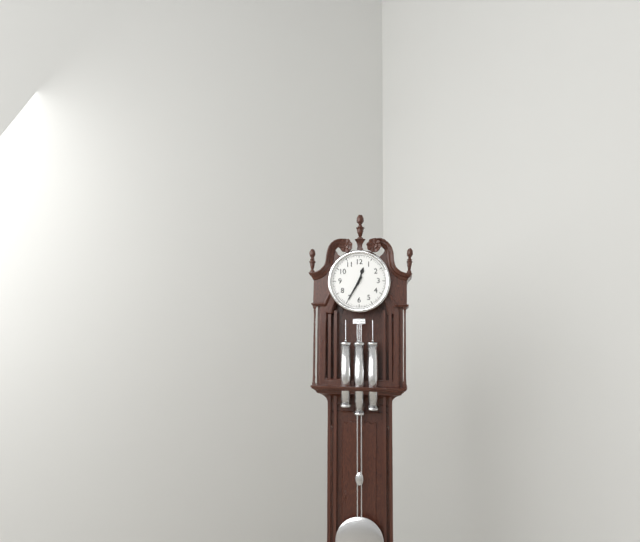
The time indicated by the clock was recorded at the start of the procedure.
12:35
